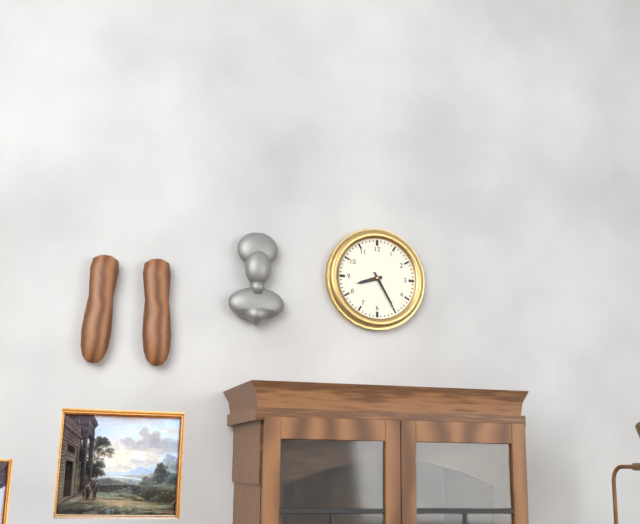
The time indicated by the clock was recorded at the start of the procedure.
8:25
